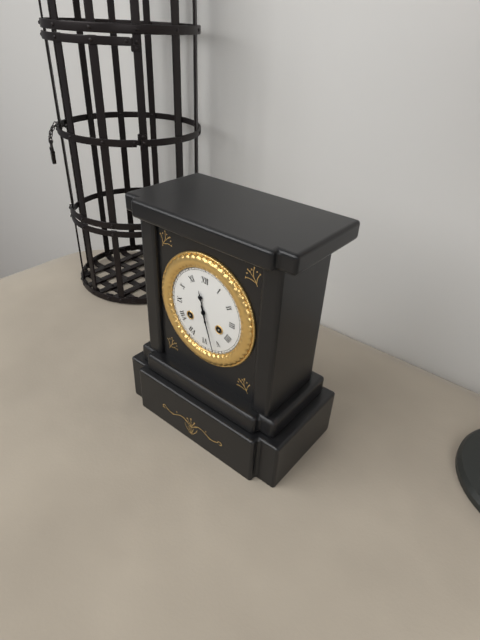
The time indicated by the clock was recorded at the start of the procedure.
11:27
